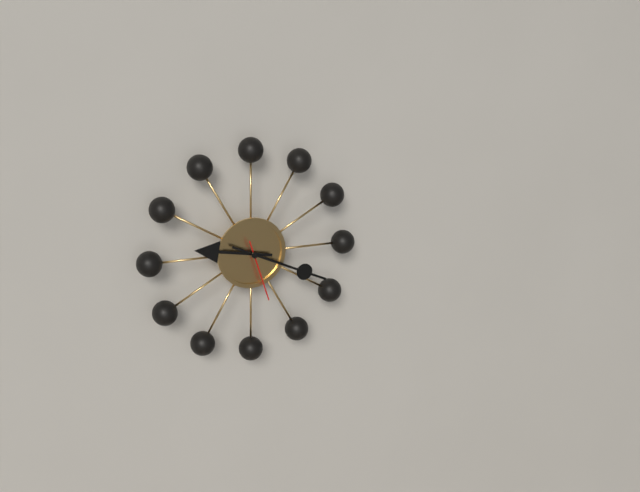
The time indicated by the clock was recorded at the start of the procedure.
9:19:27
